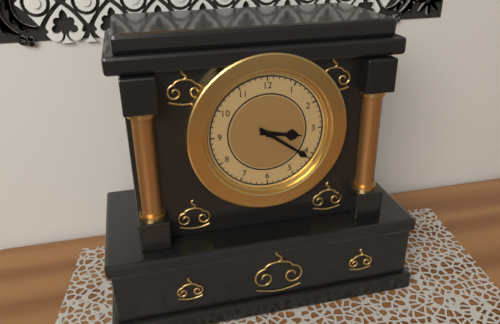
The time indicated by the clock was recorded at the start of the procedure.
3:21
